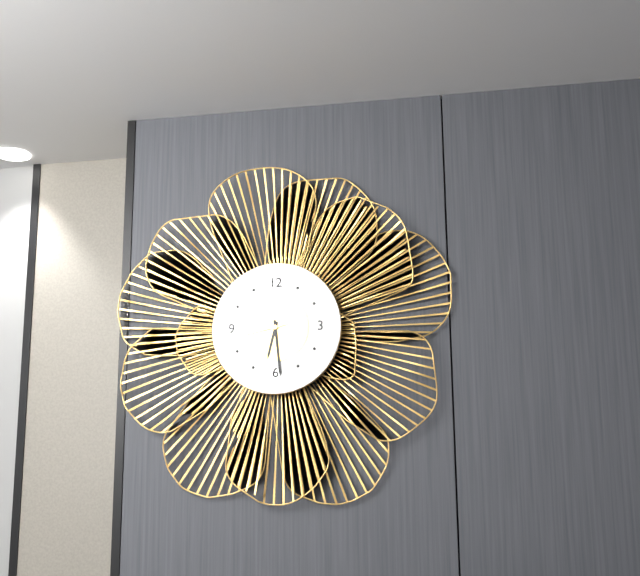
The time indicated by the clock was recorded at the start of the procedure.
6:29:43
